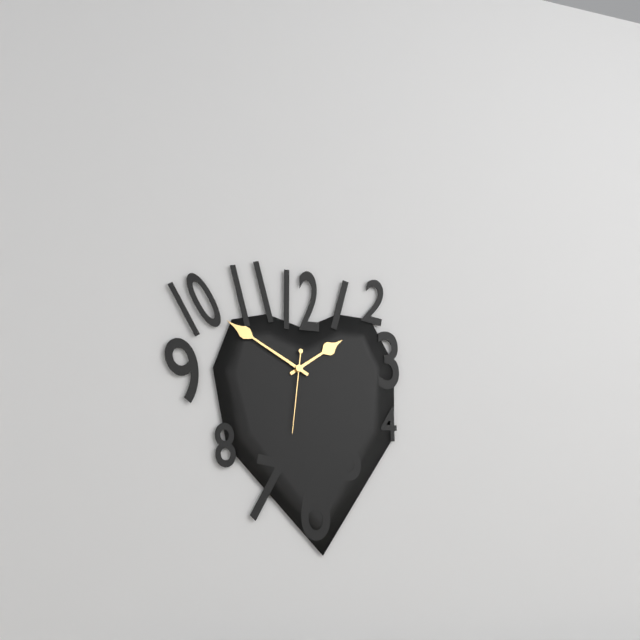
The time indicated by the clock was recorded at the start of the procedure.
1:50:31
